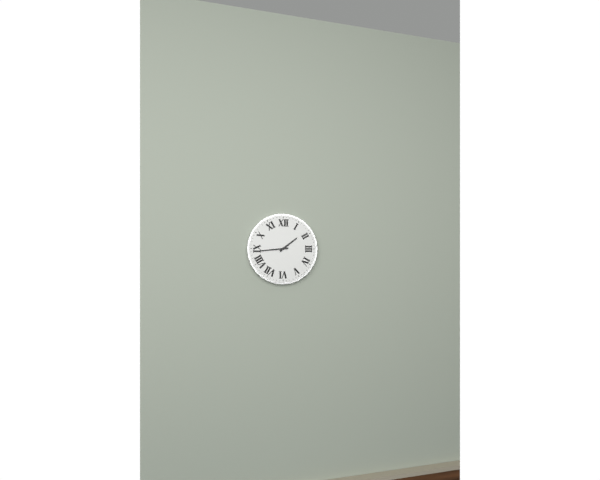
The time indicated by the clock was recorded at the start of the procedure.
1:44
